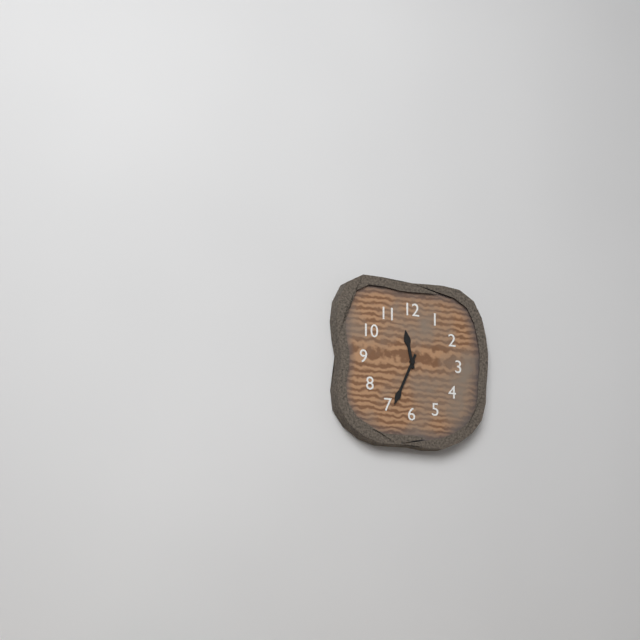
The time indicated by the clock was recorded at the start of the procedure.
11:34
